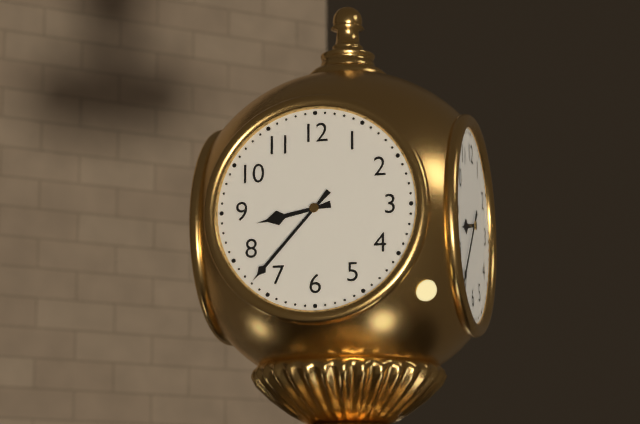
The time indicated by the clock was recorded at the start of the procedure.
8:37
